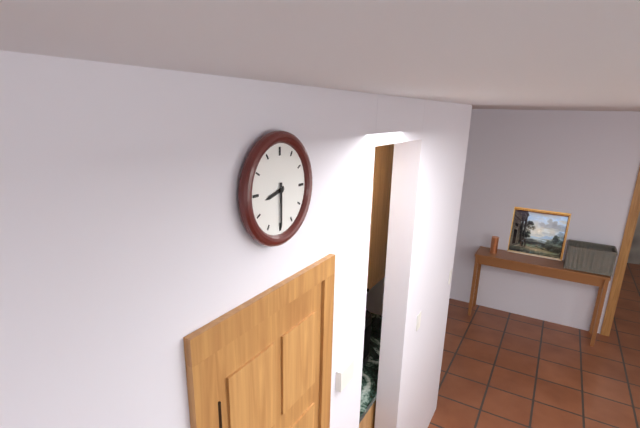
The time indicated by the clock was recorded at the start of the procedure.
8:30
